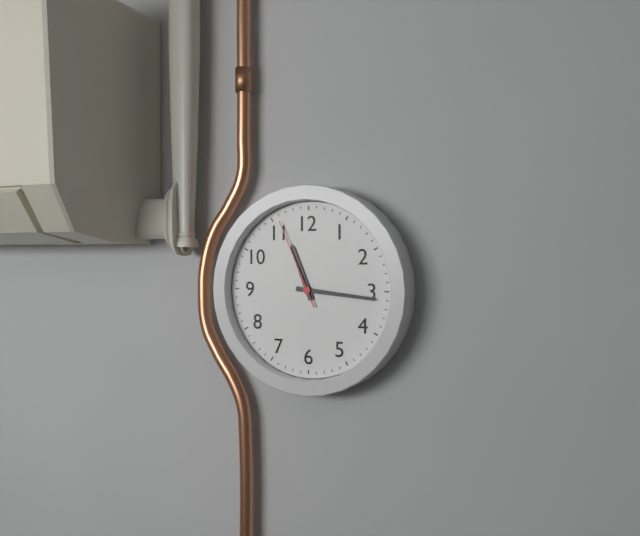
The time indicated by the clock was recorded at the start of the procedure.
11:16:56
